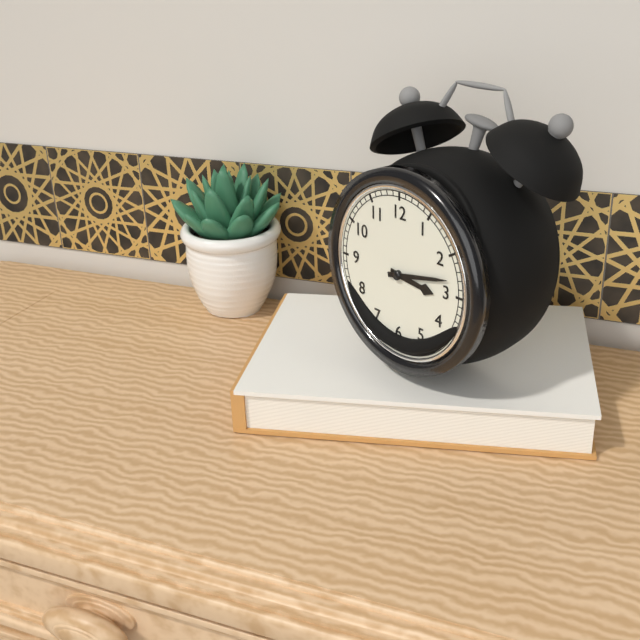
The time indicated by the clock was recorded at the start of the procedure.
3:13
